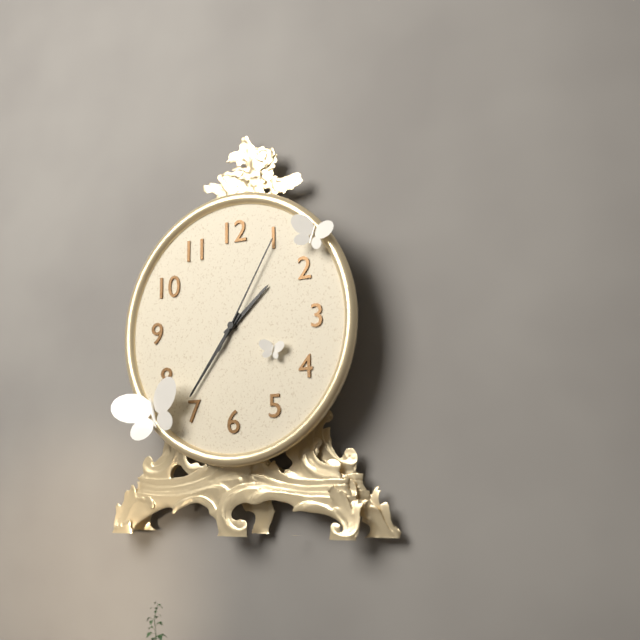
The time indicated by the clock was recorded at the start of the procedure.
1:36:05
